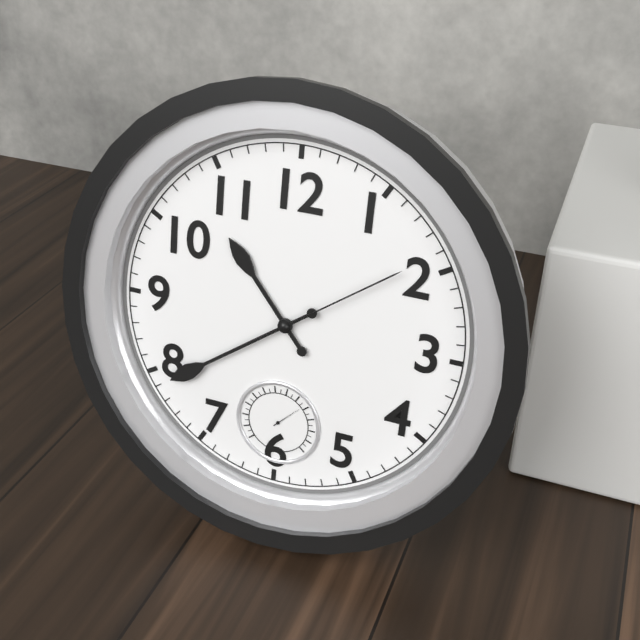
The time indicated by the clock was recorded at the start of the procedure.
10:39:09
